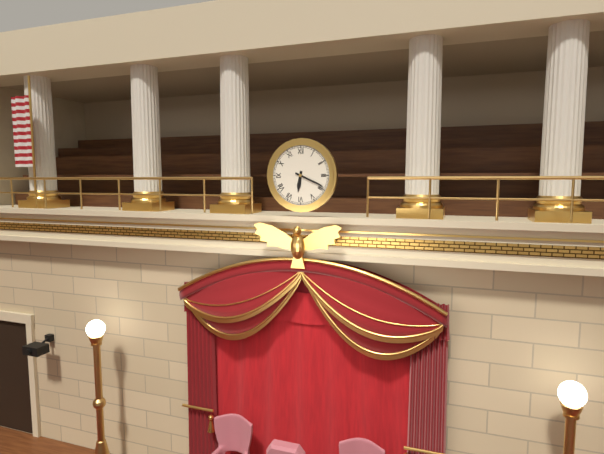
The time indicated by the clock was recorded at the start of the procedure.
6:19
